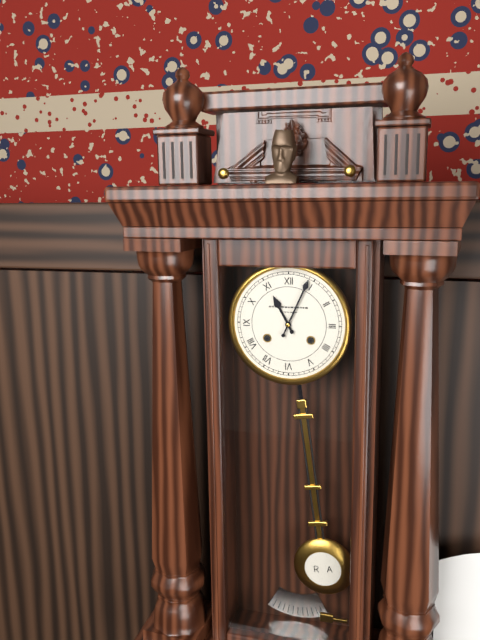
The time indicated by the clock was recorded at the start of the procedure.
11:04
